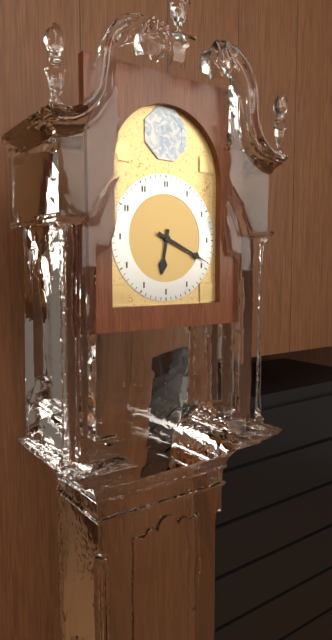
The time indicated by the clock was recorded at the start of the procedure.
6:19
